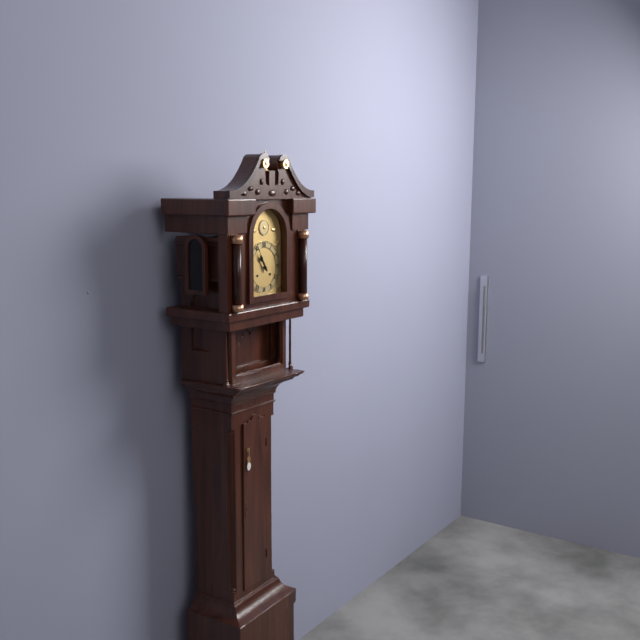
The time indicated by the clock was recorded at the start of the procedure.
10:55
